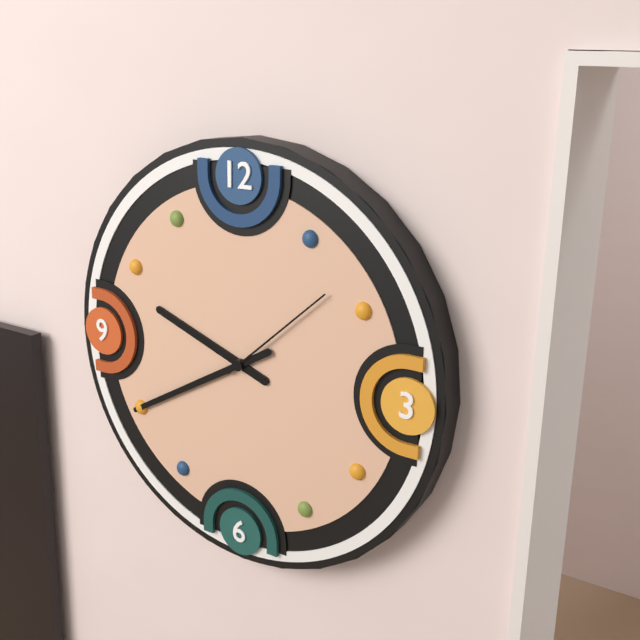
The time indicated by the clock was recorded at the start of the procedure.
9:40:08
